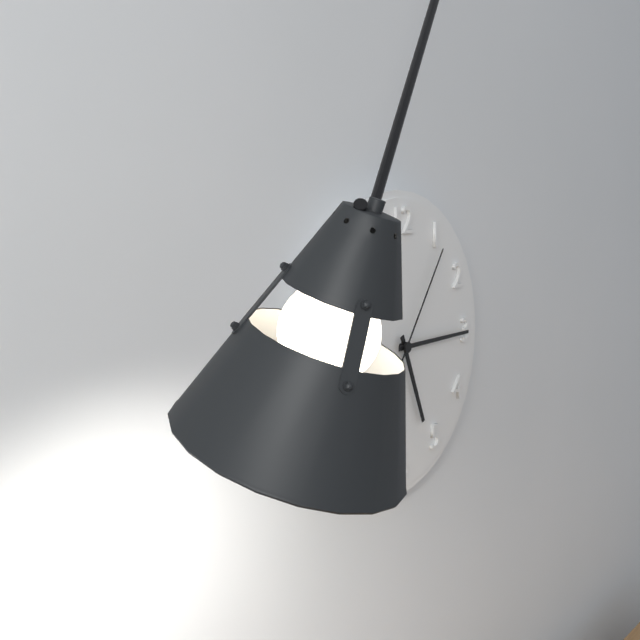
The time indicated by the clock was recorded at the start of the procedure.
5:15:06
